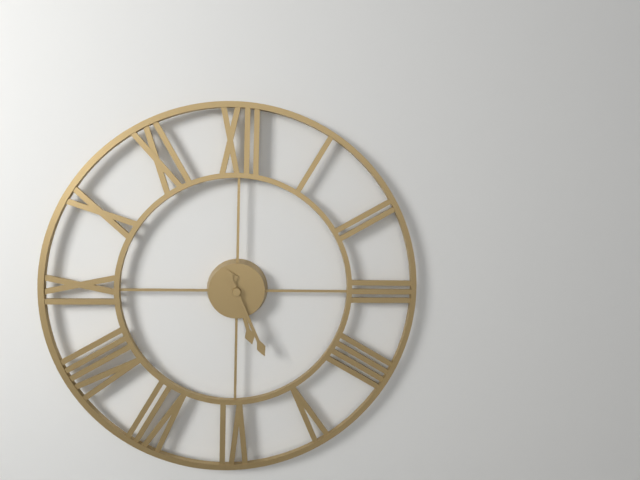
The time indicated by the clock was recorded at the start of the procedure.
5:26
